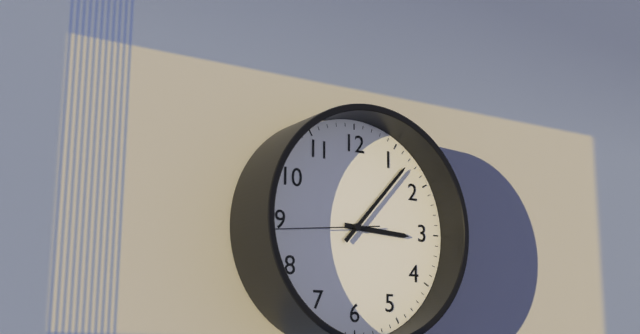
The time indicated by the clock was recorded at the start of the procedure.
3:07:44
